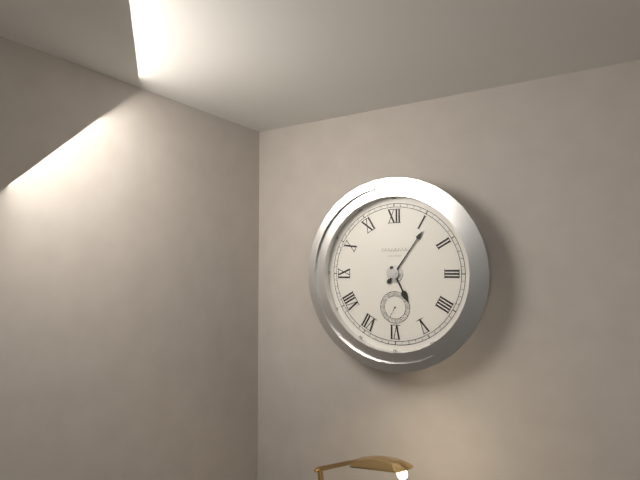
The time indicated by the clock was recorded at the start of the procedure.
5:06
